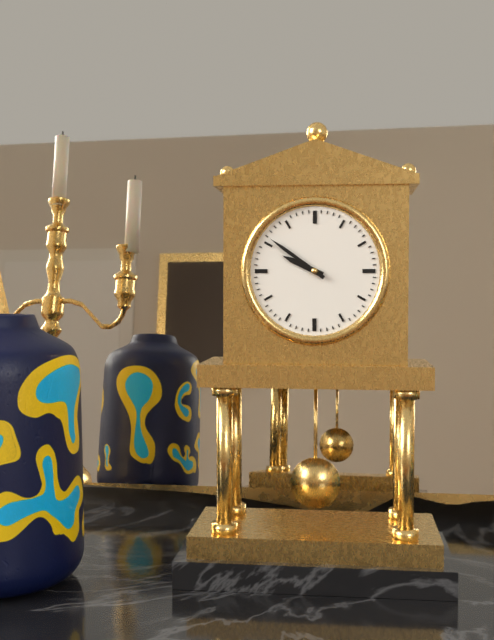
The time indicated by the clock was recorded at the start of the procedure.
9:51
